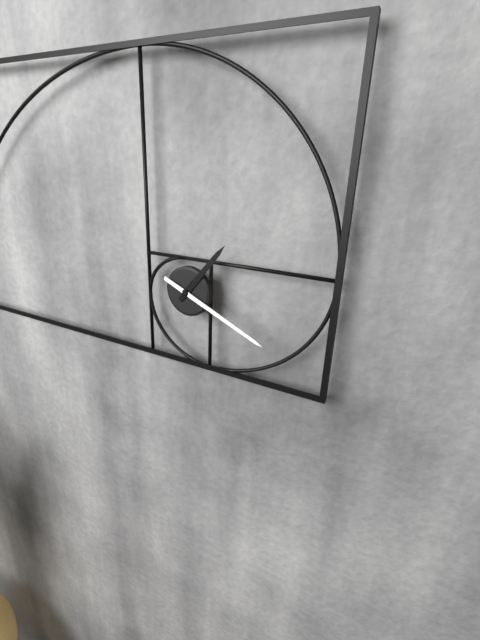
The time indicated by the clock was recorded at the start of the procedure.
1:19
